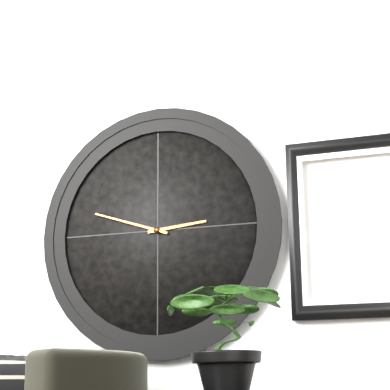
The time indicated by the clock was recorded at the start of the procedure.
2:48
